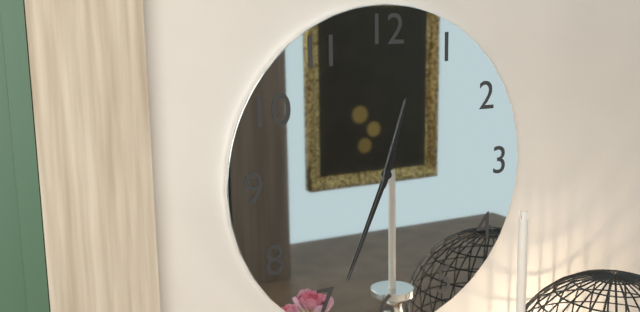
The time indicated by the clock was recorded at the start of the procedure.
12:34
